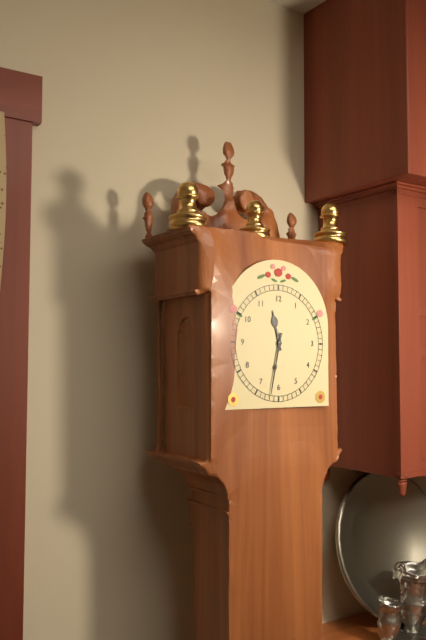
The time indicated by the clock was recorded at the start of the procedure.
11:32
